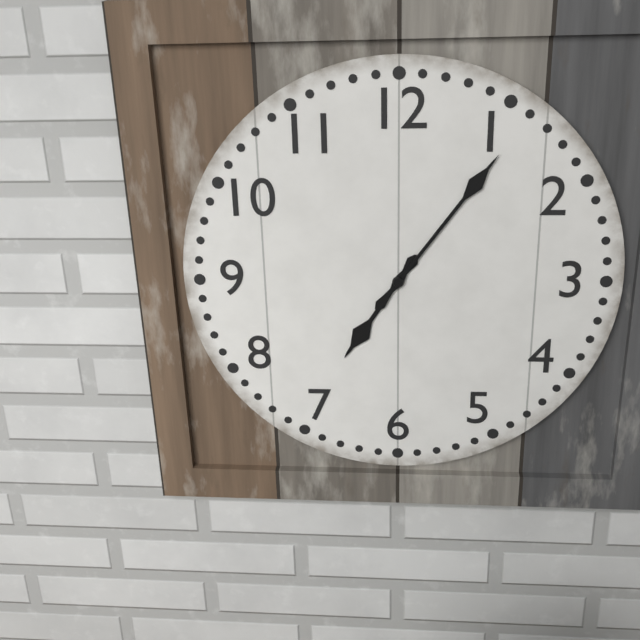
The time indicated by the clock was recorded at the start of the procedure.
7:06
